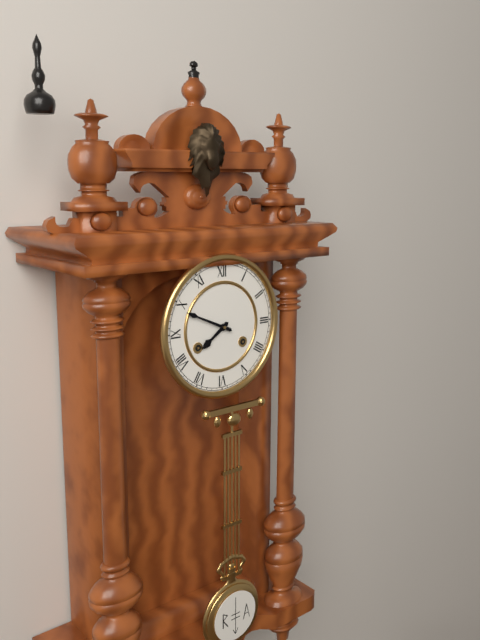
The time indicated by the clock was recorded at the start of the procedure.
7:49
